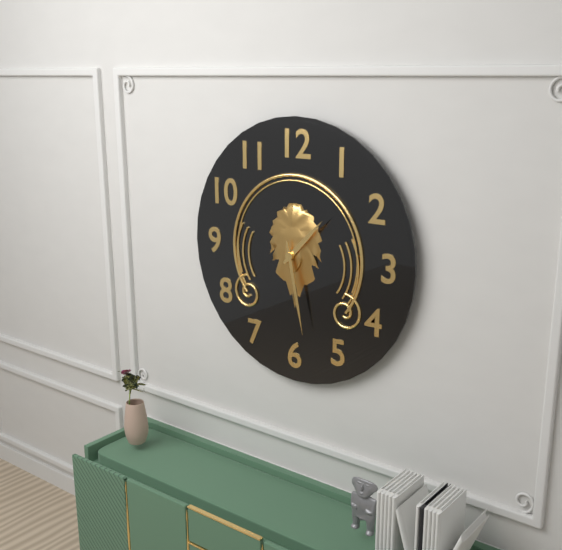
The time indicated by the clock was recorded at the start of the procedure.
1:28
